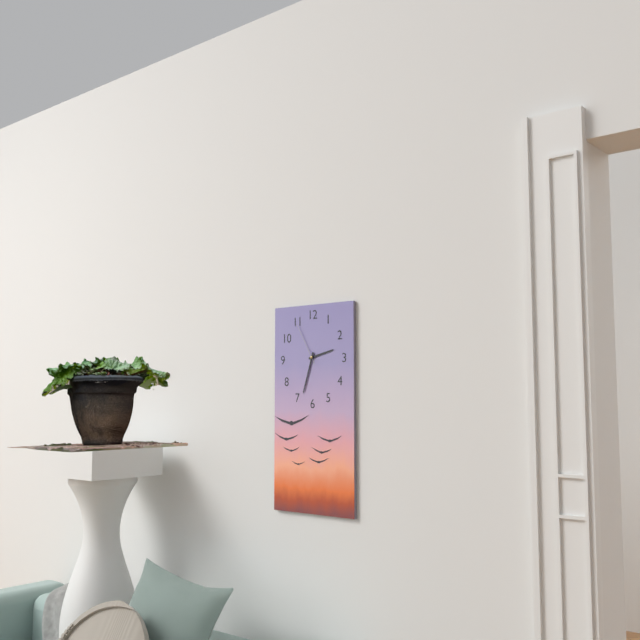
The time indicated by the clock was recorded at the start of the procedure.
2:33
